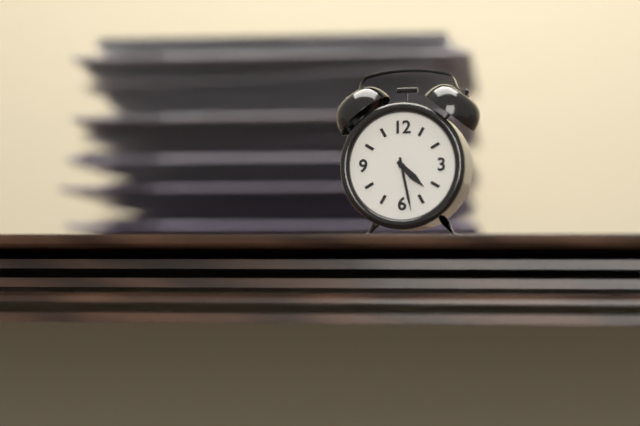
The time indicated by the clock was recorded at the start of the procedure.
4:28
